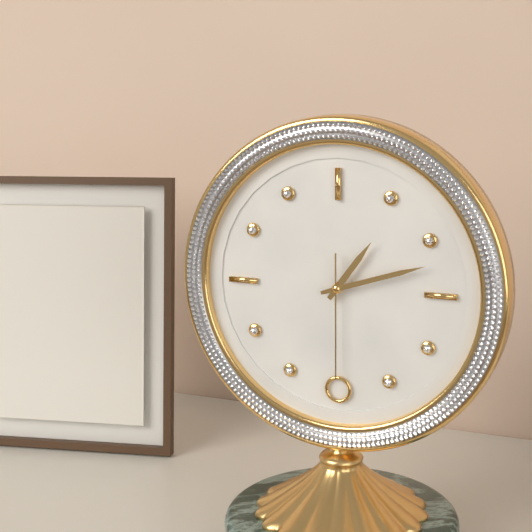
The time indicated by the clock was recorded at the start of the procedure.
1:12:30
